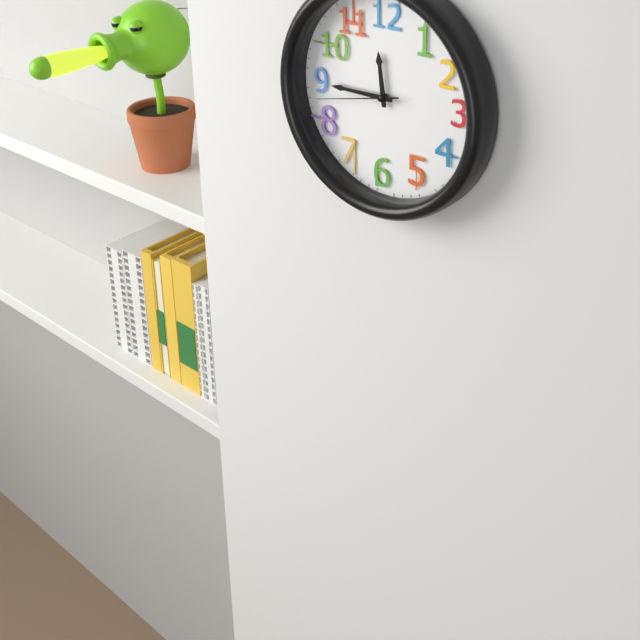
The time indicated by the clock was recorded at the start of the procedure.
11:45:43
